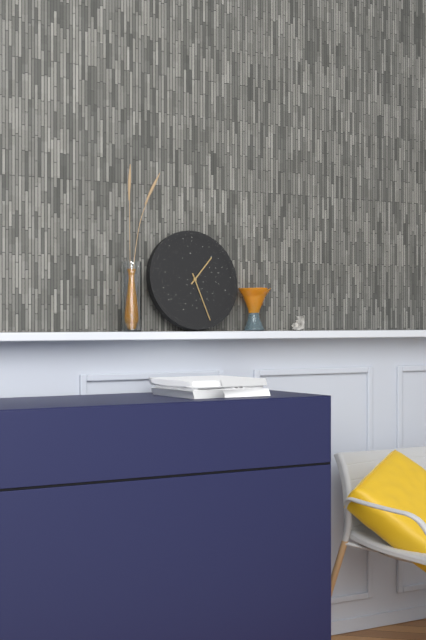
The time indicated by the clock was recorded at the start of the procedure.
1:27
